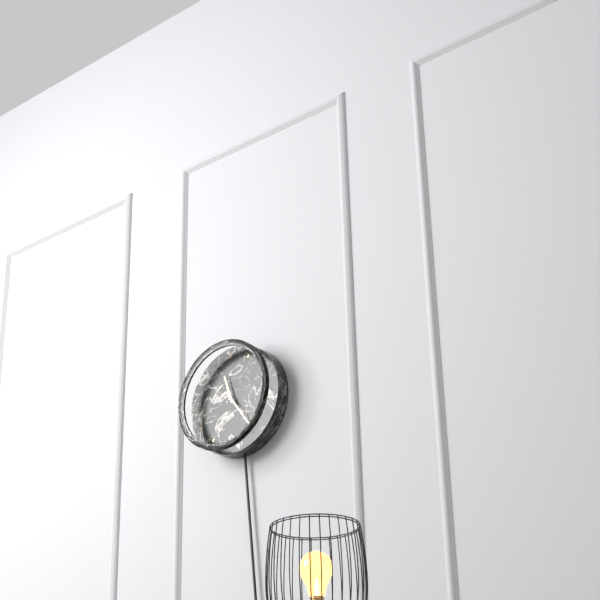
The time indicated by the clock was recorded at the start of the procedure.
11:24
